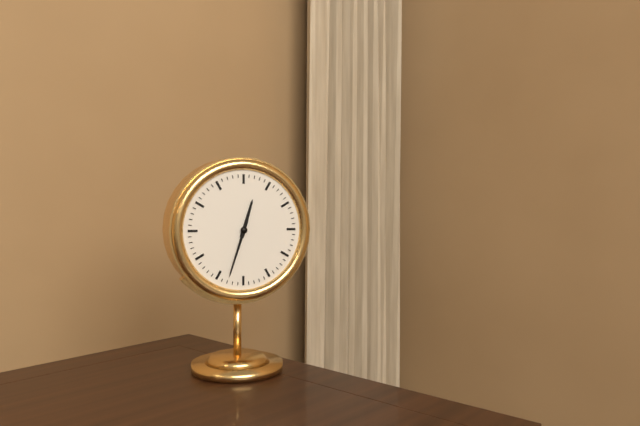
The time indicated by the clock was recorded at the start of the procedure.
12:33
